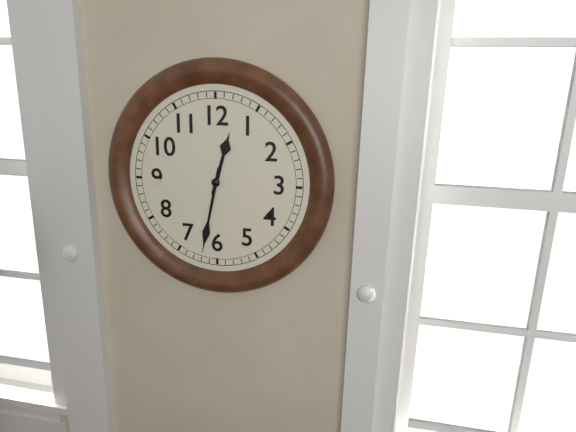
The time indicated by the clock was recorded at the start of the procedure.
12:32
